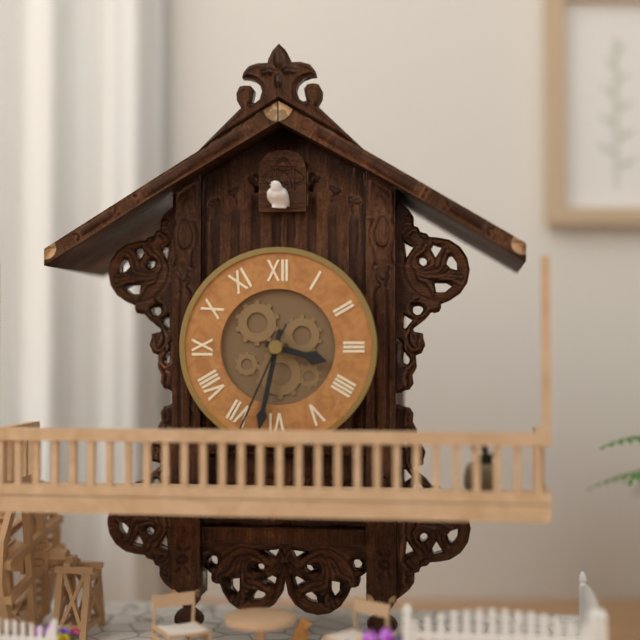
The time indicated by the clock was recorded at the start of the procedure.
3:32:34
